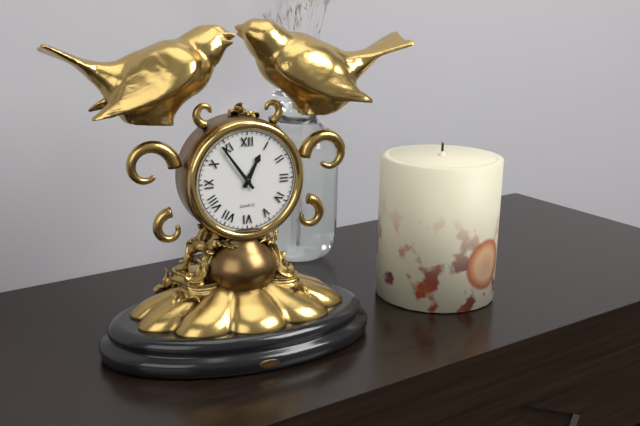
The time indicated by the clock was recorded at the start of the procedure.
12:54
